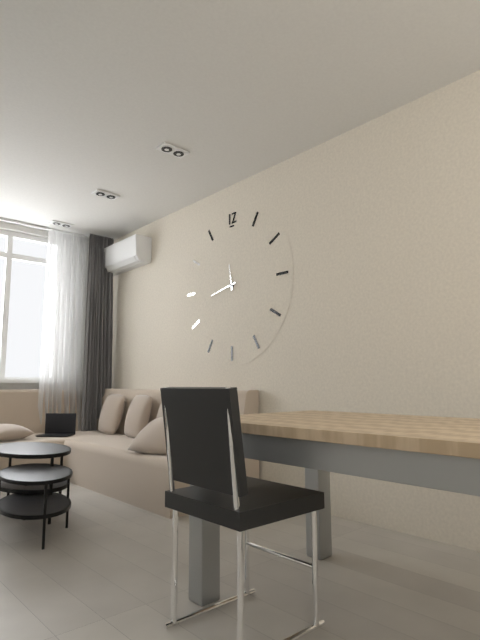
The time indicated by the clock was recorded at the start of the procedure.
11:43
